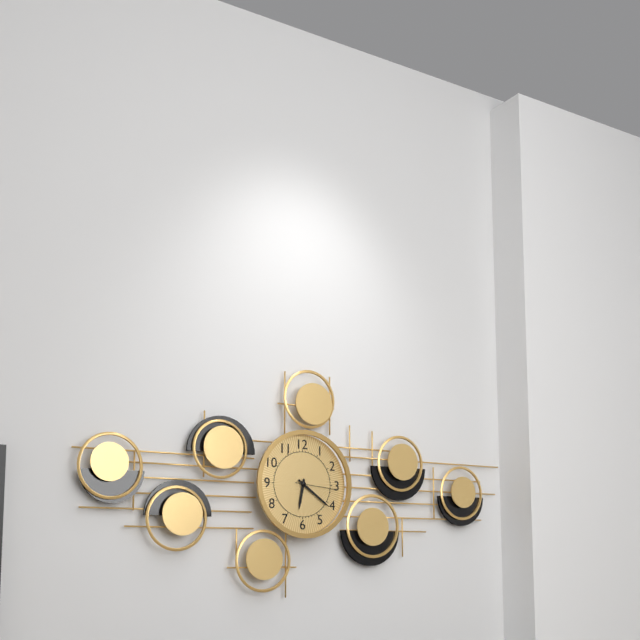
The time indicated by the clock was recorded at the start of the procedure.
6:21
